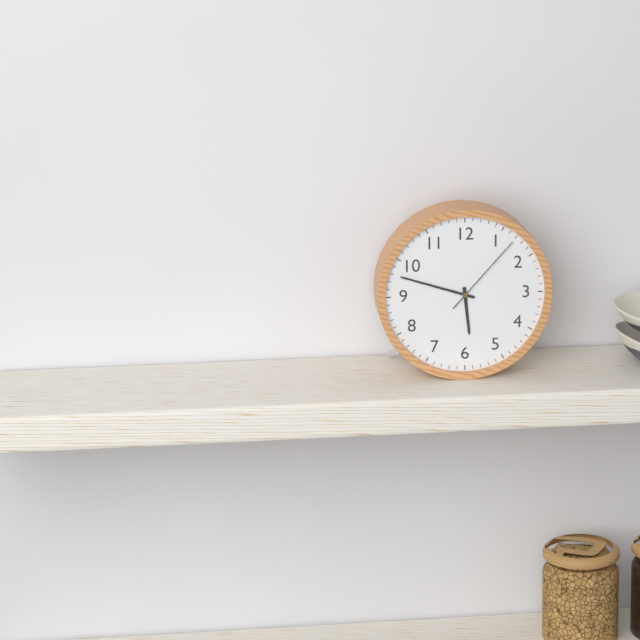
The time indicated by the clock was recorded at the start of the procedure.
5:48:07
